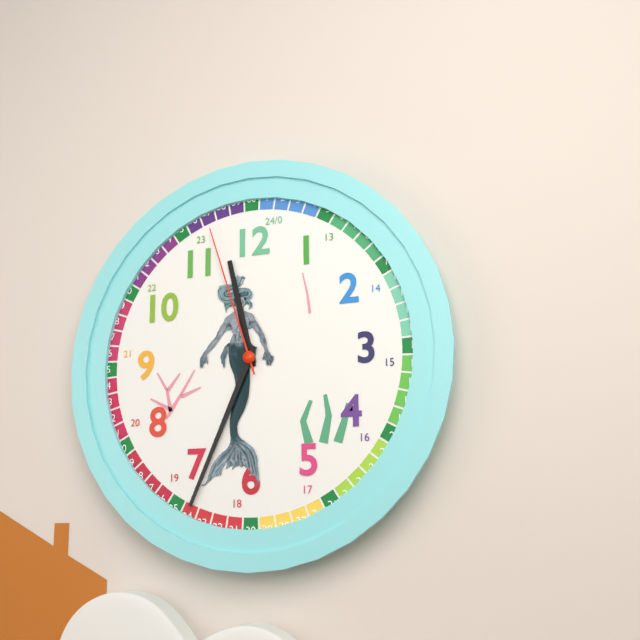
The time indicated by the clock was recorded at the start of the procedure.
11:34:57
